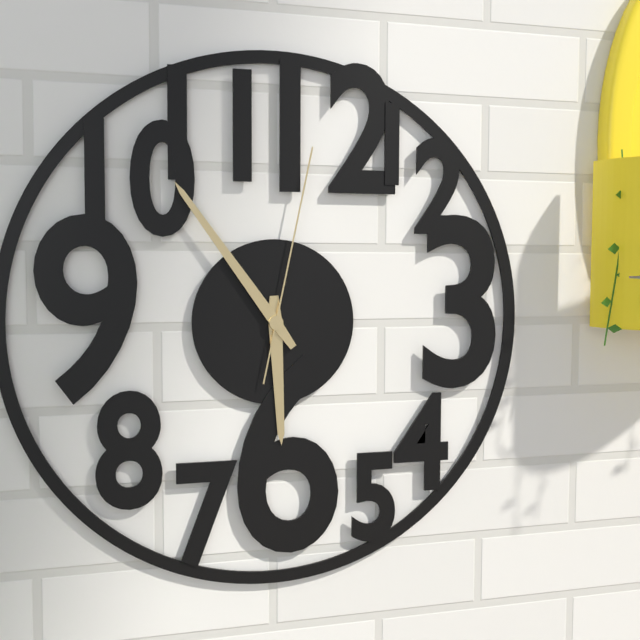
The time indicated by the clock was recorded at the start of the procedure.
5:54:02
